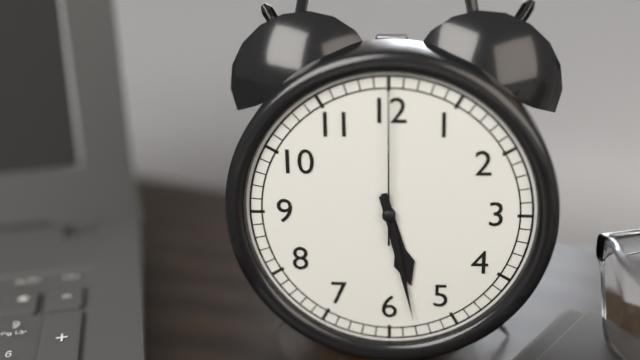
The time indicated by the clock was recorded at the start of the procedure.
5:28:00
